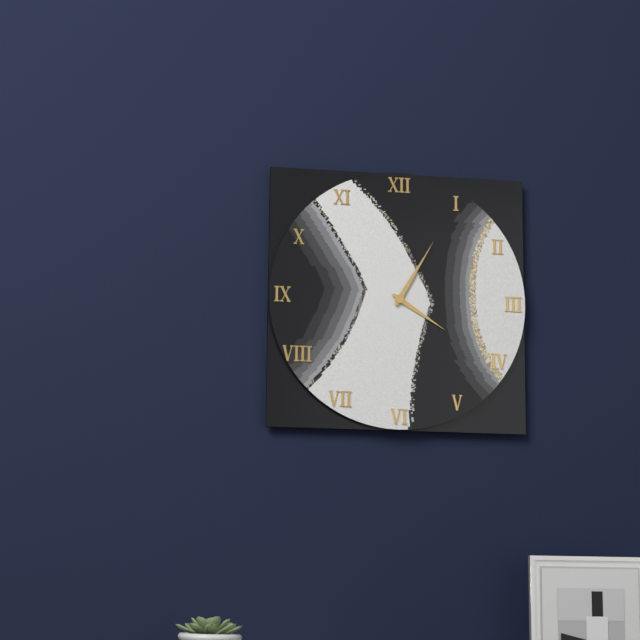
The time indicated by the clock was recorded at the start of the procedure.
4:05
